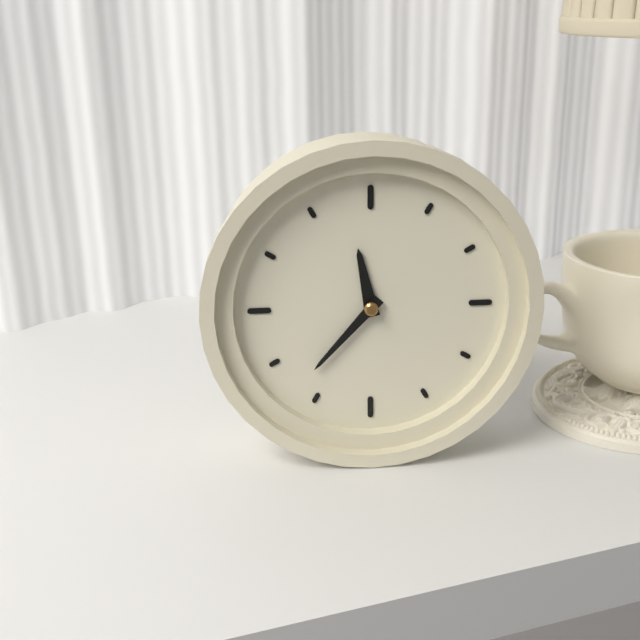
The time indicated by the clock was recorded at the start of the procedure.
11:37
